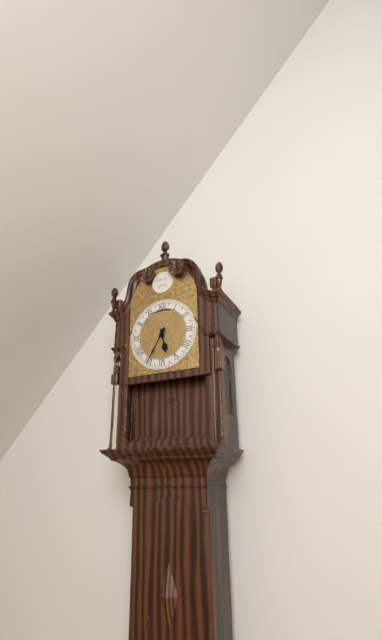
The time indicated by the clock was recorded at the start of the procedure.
5:35
